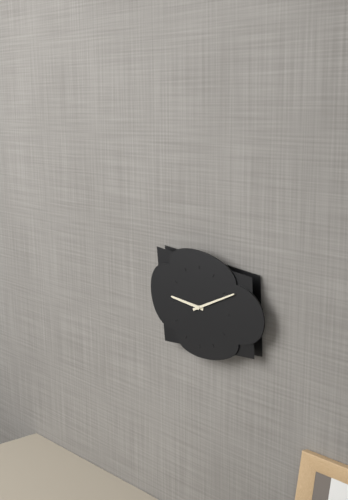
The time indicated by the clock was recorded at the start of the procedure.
9:11
